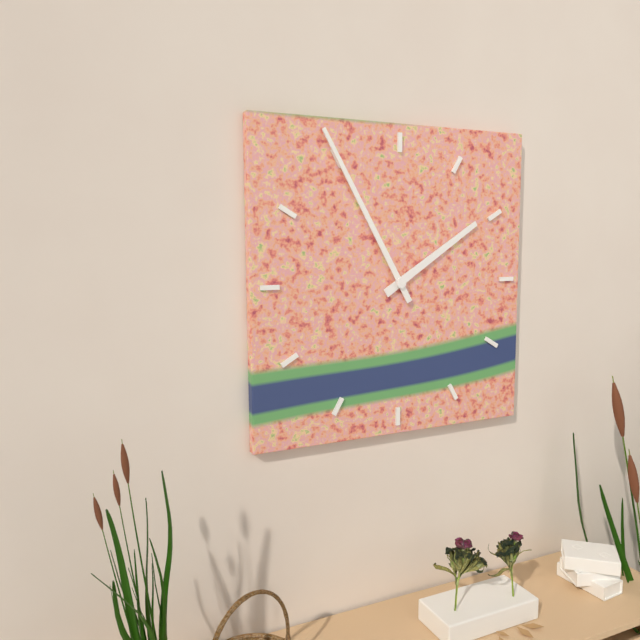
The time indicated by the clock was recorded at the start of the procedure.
1:55
